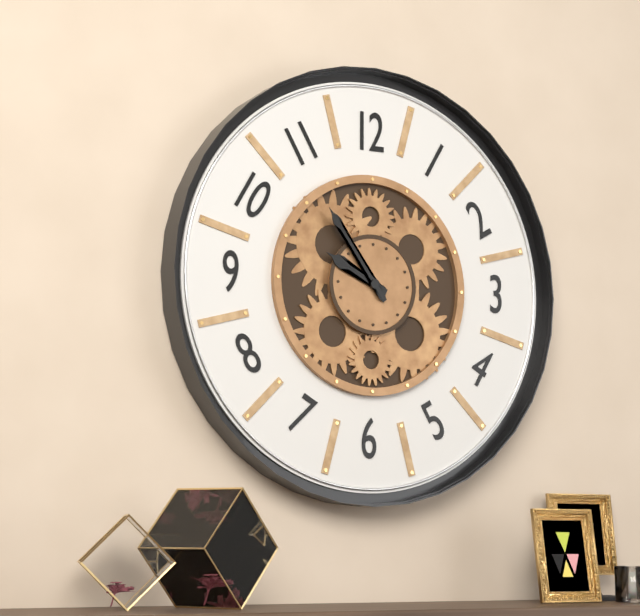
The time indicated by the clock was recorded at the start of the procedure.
9:54
